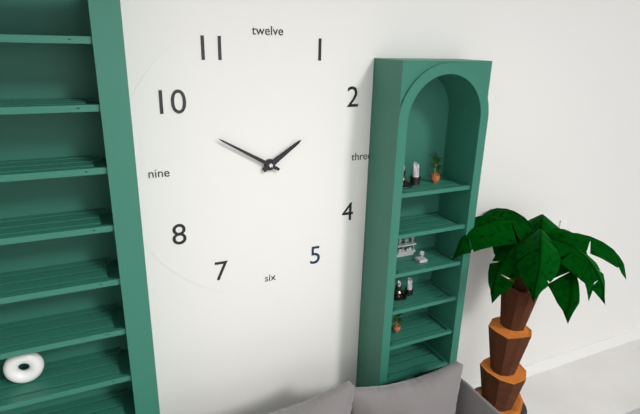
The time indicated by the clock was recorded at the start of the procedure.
1:50
